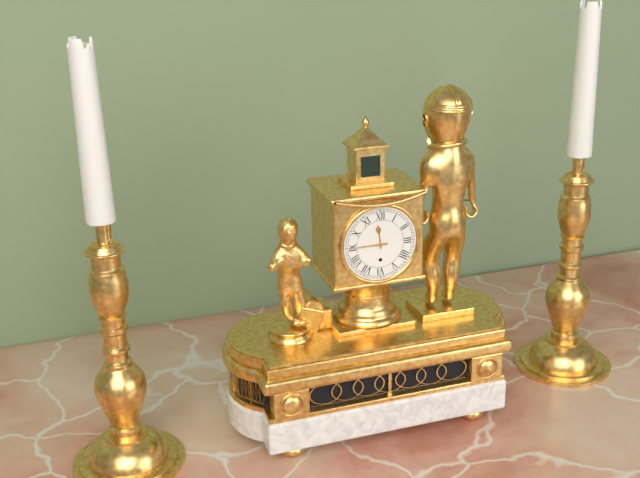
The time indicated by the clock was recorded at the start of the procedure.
11:45
